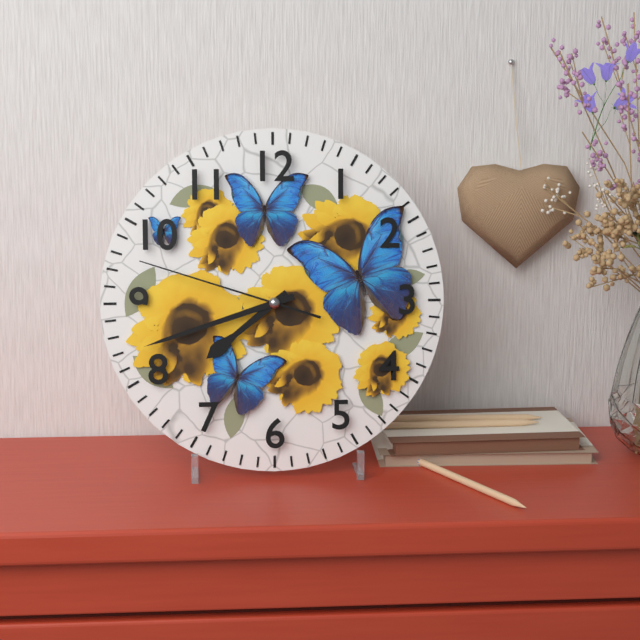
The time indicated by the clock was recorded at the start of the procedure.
7:42:48
